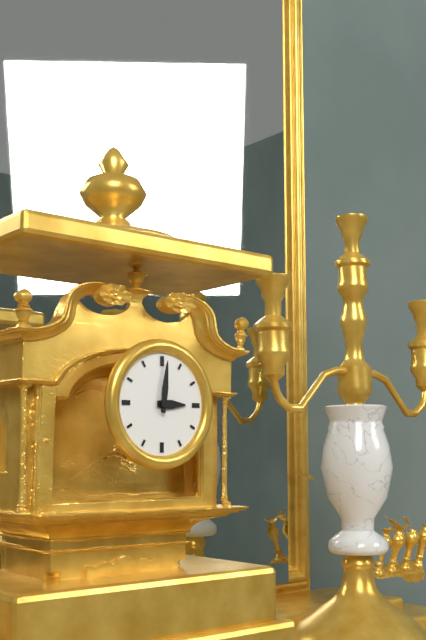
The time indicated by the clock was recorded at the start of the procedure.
3:01
